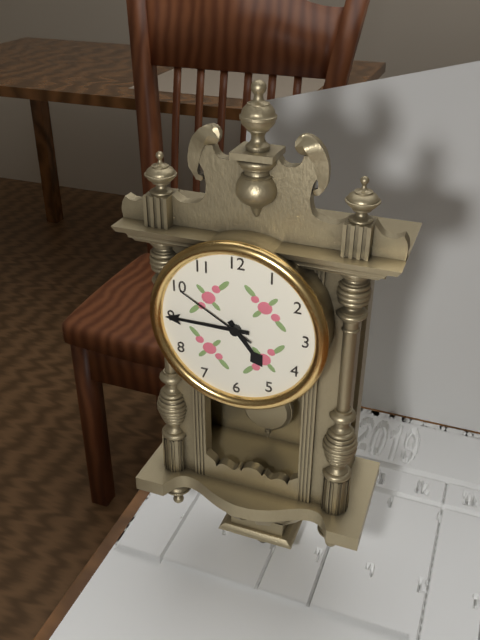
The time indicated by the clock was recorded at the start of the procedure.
4:45:50
